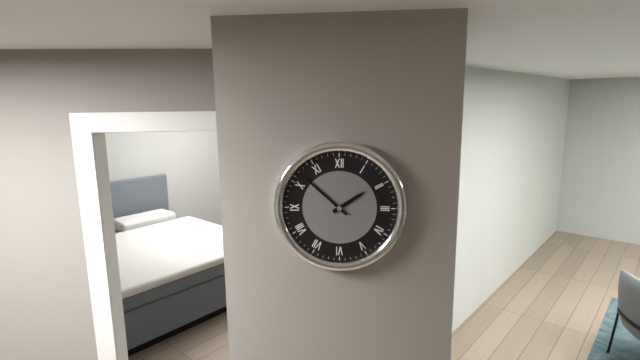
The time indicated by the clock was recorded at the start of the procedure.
1:52
